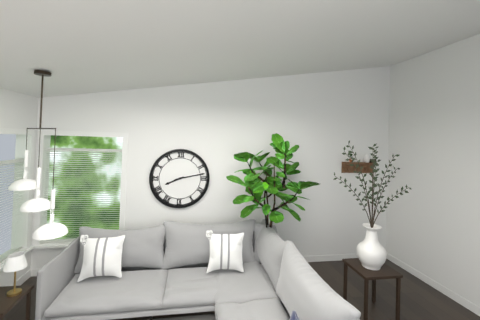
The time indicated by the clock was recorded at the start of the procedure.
8:13
